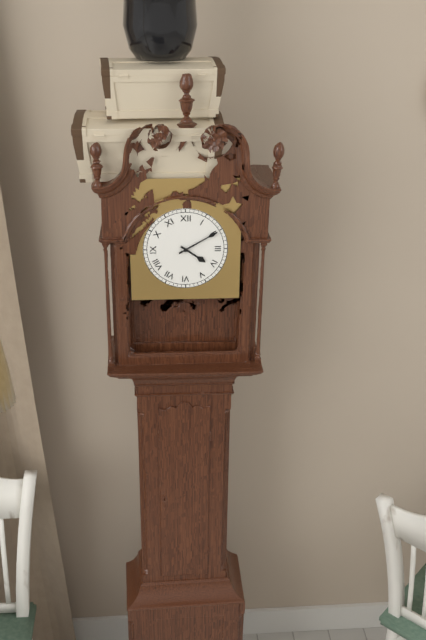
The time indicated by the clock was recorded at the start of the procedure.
4:10
